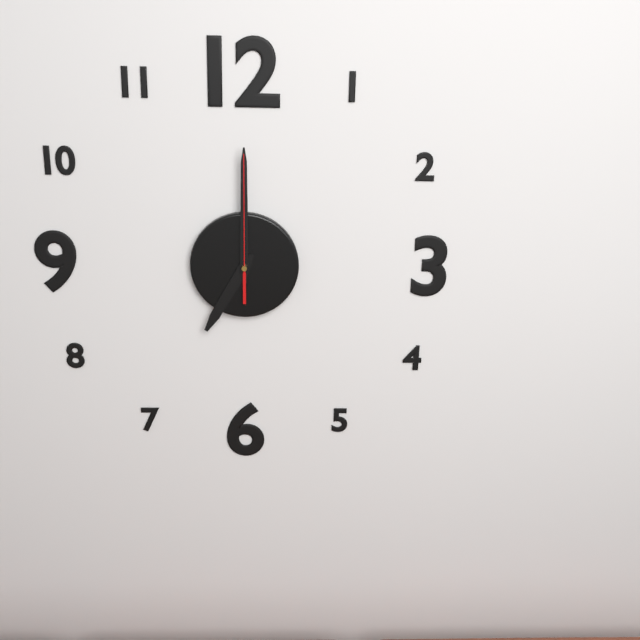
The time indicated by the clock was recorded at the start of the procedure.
7:00:00
